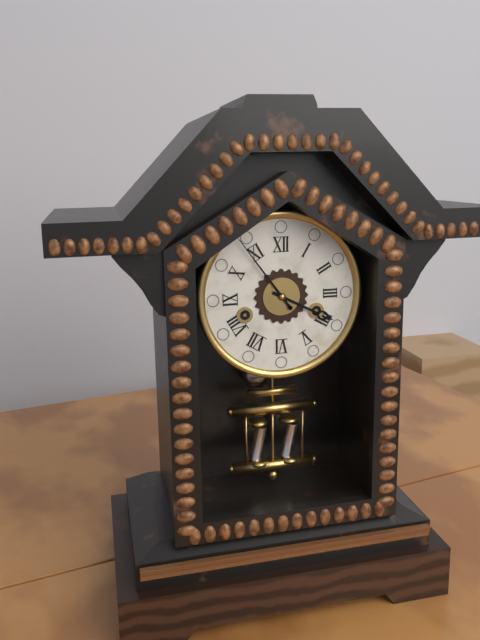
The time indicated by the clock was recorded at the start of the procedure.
3:54
